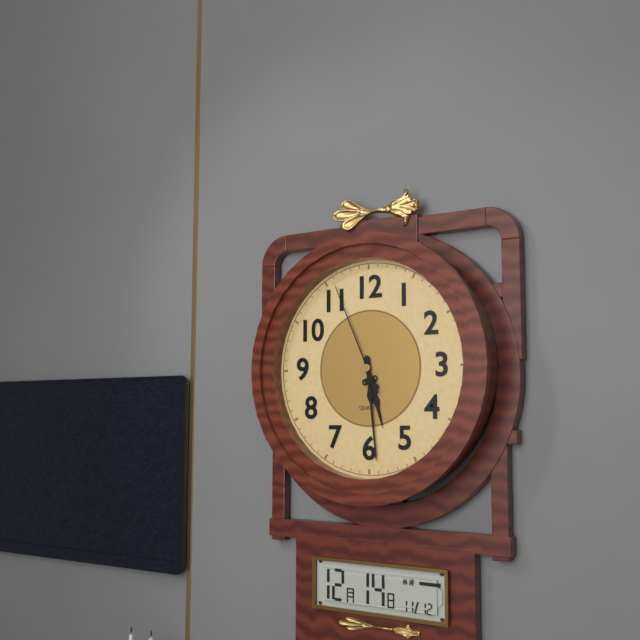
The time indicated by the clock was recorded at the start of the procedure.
5:29:56
